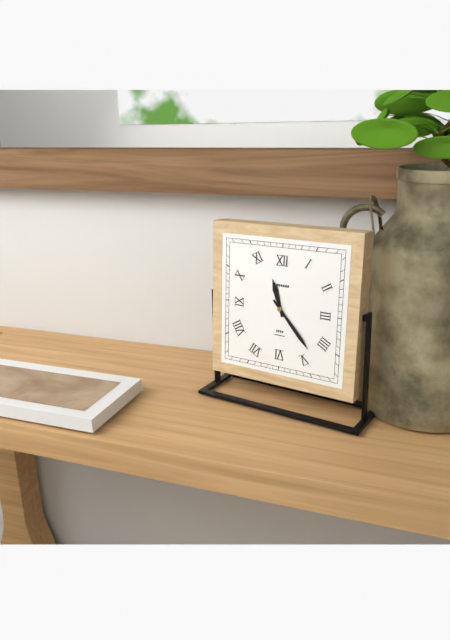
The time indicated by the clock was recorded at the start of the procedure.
11:23
